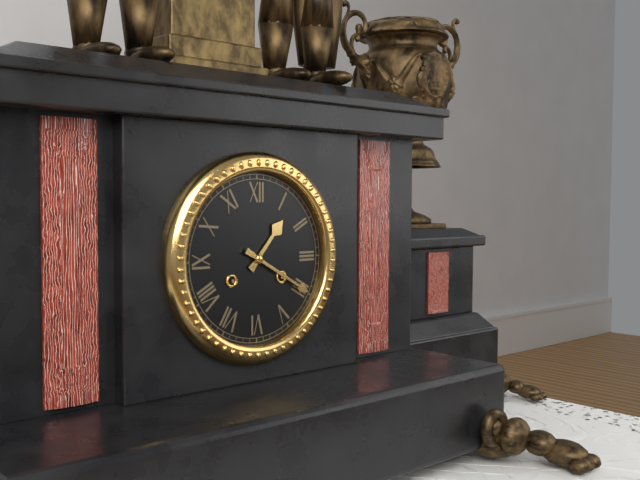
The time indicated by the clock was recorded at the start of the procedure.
1:20
